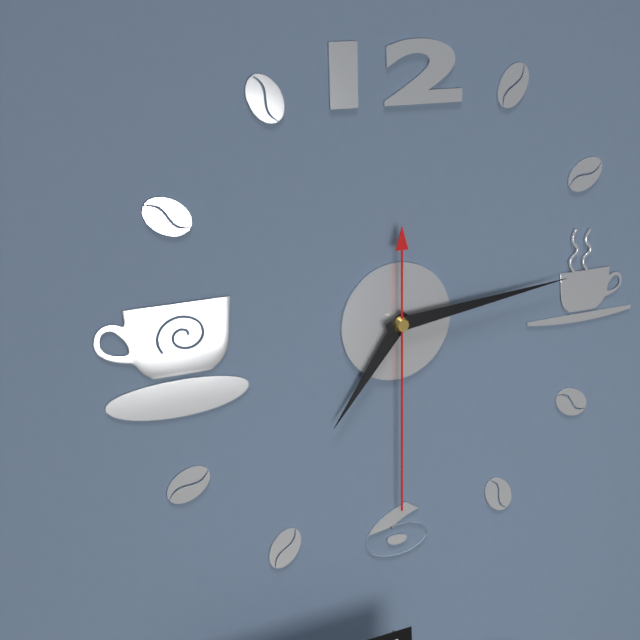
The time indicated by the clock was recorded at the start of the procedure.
7:14:30
